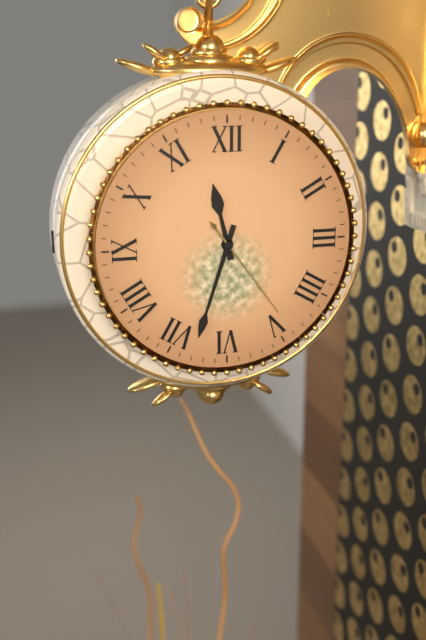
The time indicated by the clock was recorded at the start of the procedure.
11:33:24
